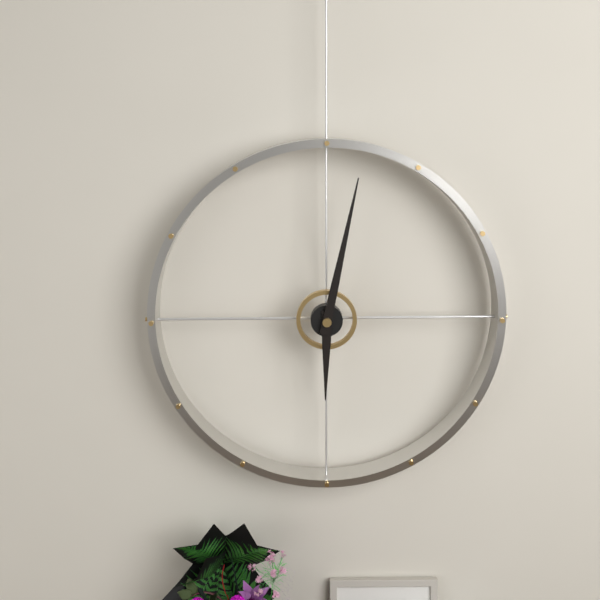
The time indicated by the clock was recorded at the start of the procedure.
6:02
